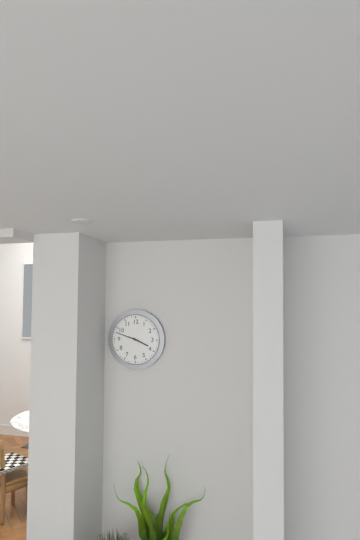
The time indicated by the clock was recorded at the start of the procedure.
3:48
